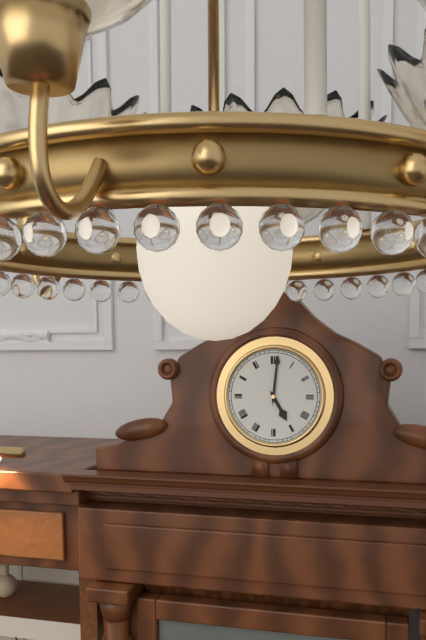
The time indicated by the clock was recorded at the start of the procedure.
5:01
